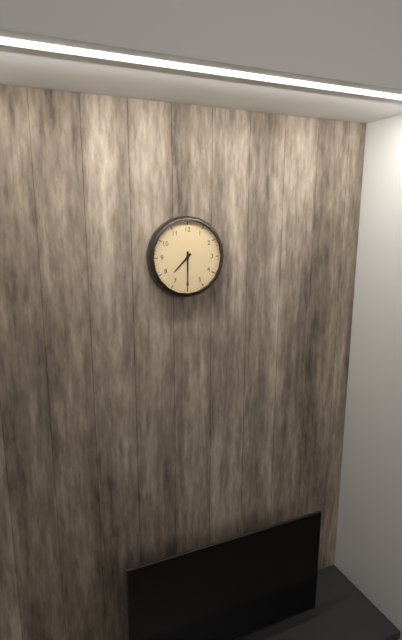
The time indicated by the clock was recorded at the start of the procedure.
7:30
